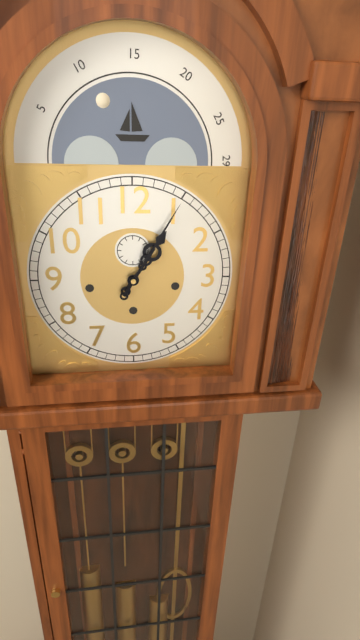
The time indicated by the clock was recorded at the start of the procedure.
1:05
